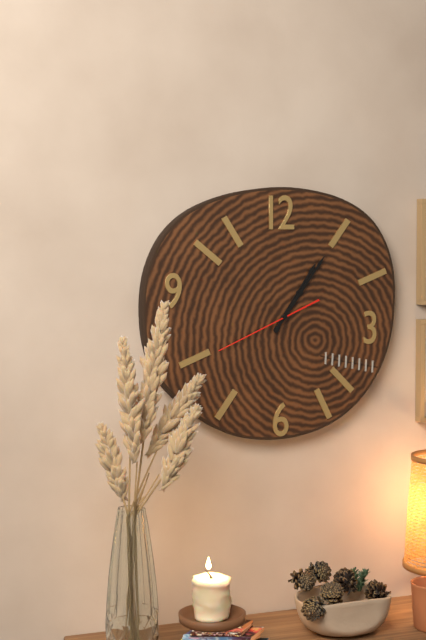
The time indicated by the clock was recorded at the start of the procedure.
1:06:41
